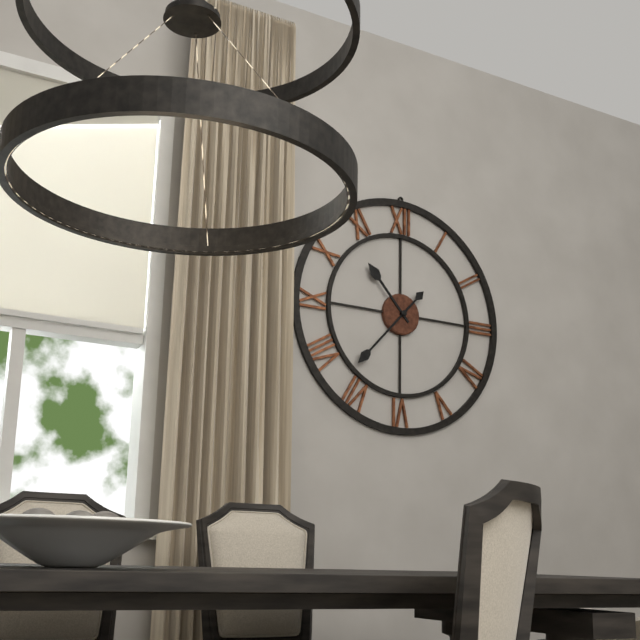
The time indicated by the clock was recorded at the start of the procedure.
10:37
